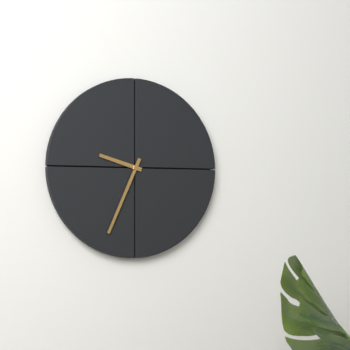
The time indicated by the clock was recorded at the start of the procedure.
9:34
